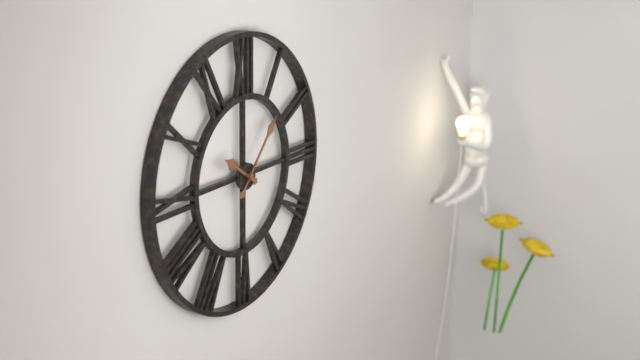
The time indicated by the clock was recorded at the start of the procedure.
10:07
